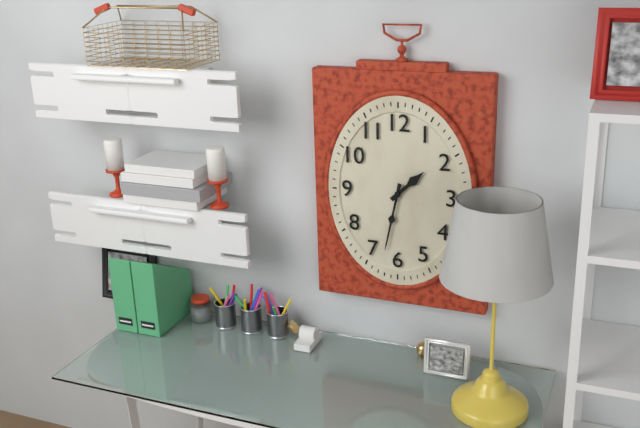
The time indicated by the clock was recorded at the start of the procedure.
1:32
